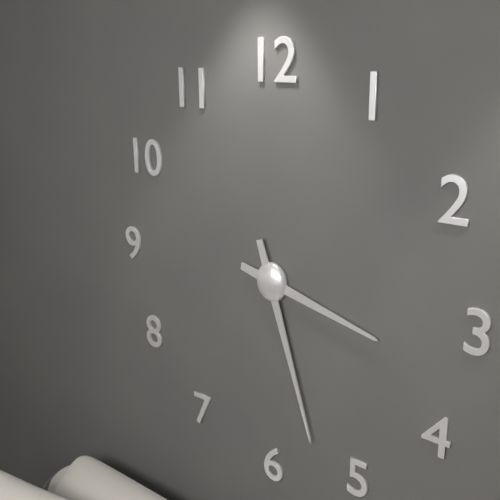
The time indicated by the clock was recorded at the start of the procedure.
3:27
